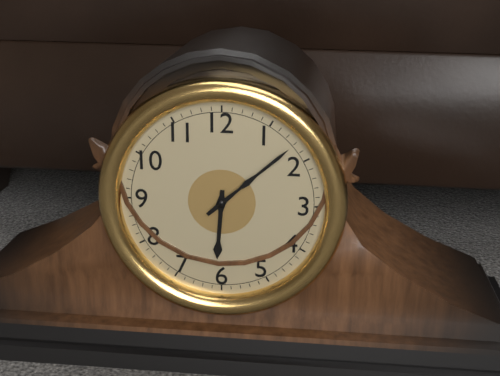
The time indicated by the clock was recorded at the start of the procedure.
6:08
